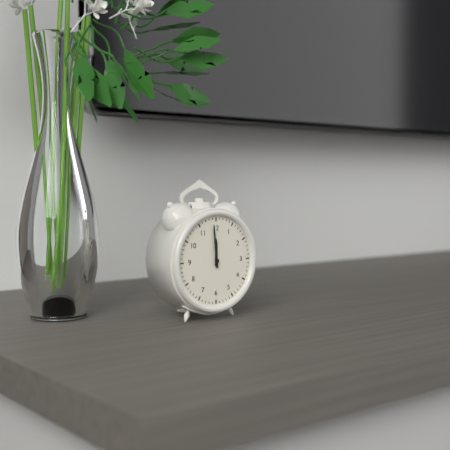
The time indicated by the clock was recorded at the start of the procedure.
11:59
